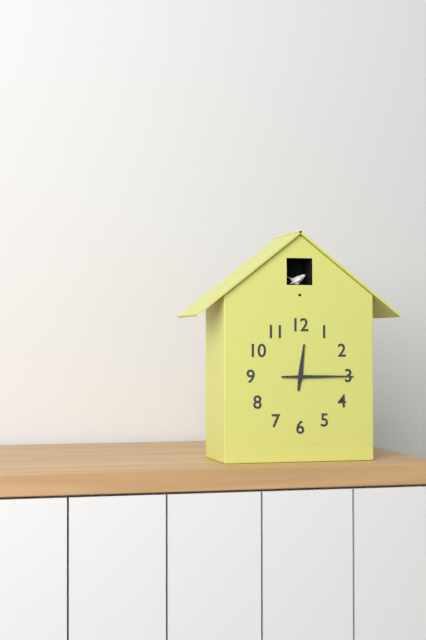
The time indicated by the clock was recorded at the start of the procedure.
12:15
